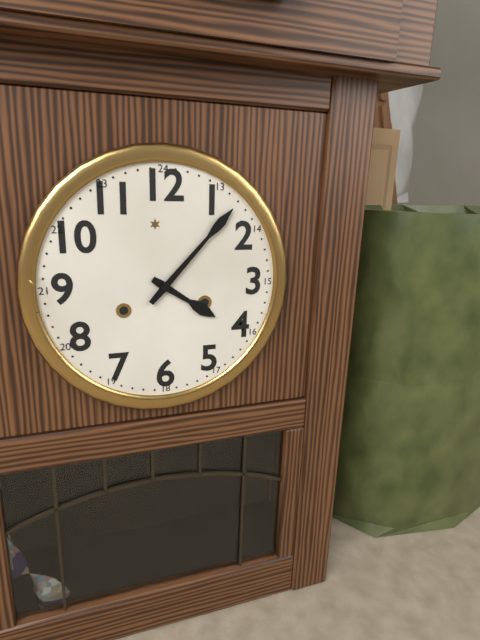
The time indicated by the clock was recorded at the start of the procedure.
4:07
